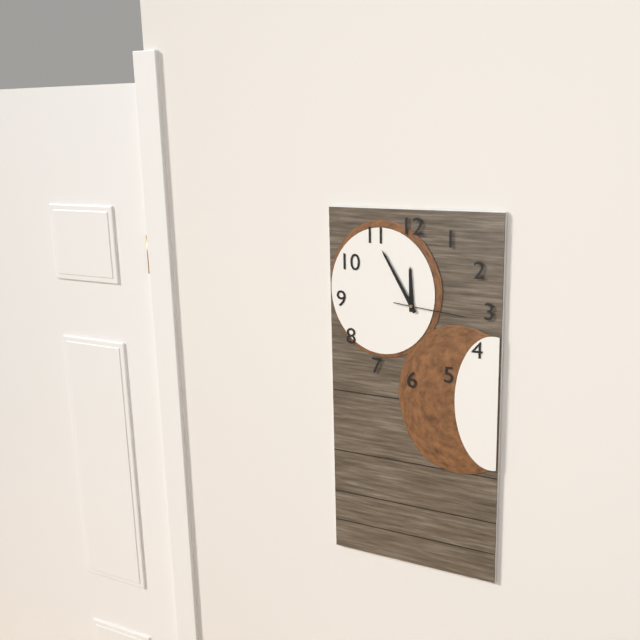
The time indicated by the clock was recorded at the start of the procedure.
11:55:16
